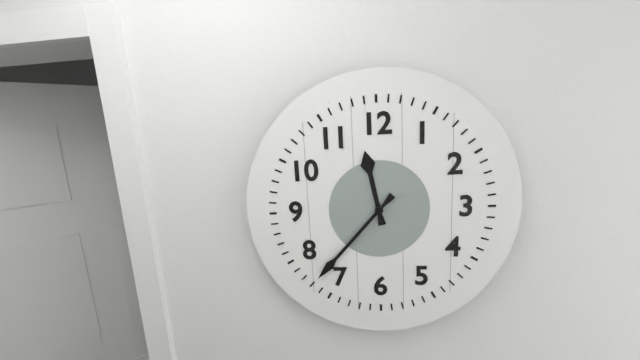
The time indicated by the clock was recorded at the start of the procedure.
11:37
